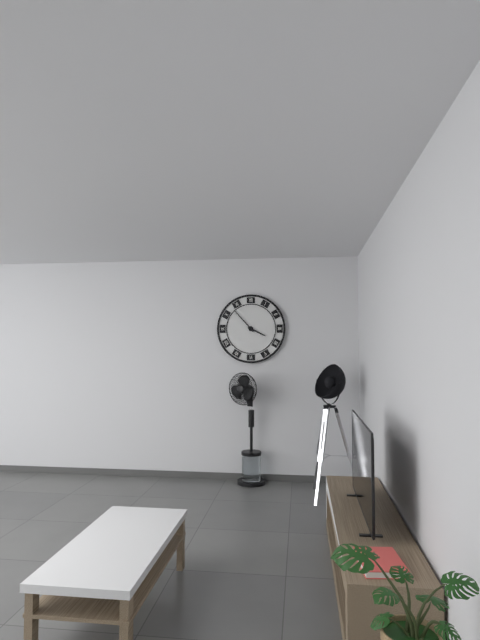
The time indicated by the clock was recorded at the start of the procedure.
3:53
